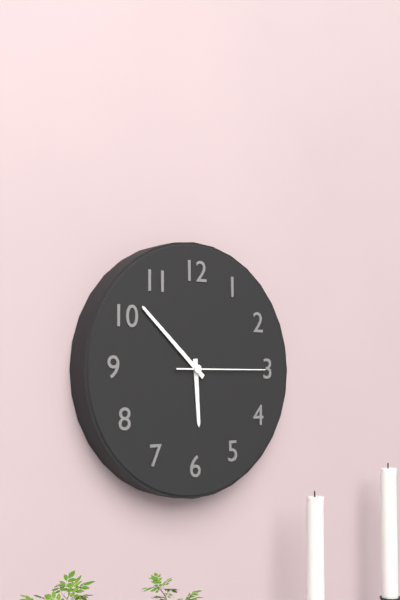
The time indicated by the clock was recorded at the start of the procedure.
5:52:15
